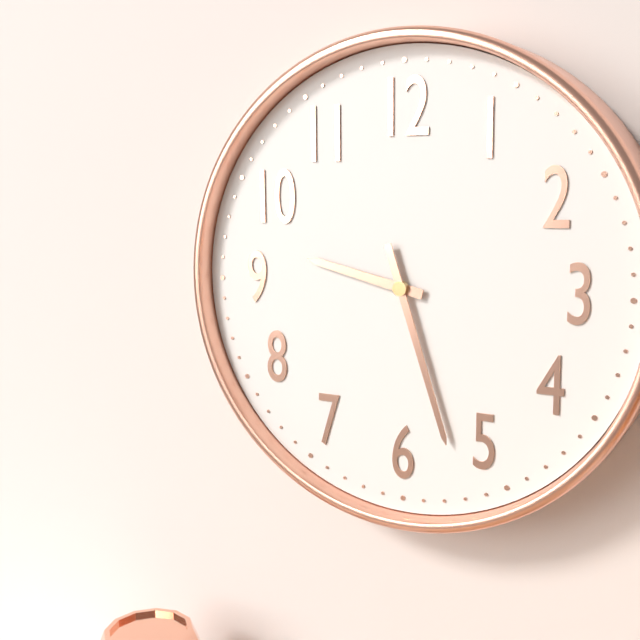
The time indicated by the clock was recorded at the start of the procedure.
9:27
